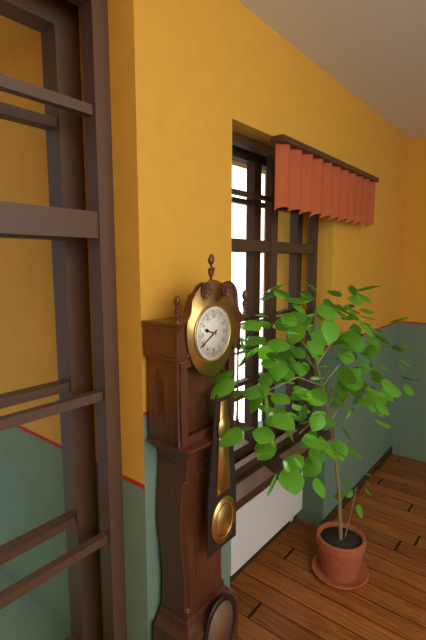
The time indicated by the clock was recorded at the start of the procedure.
9:40
